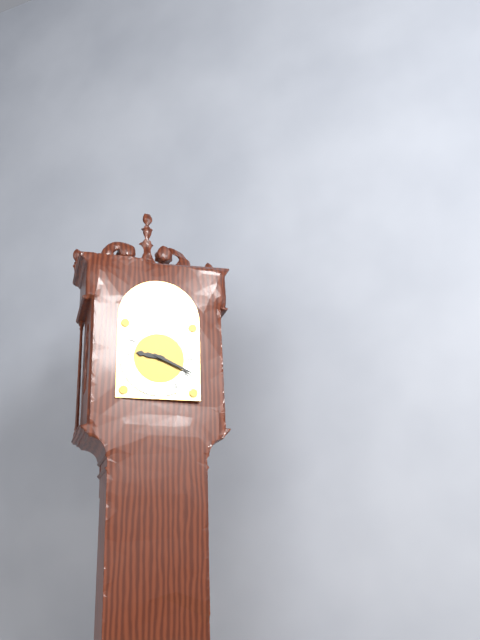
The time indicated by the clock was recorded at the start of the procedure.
9:19
